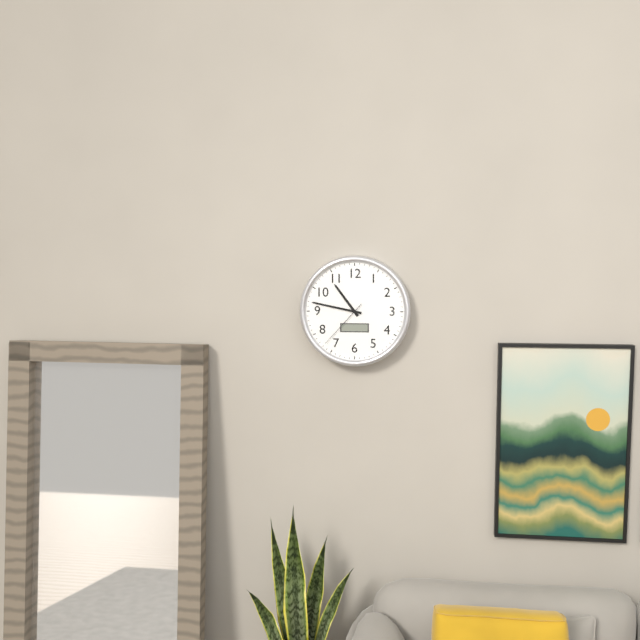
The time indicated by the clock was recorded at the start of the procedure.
10:47:37
